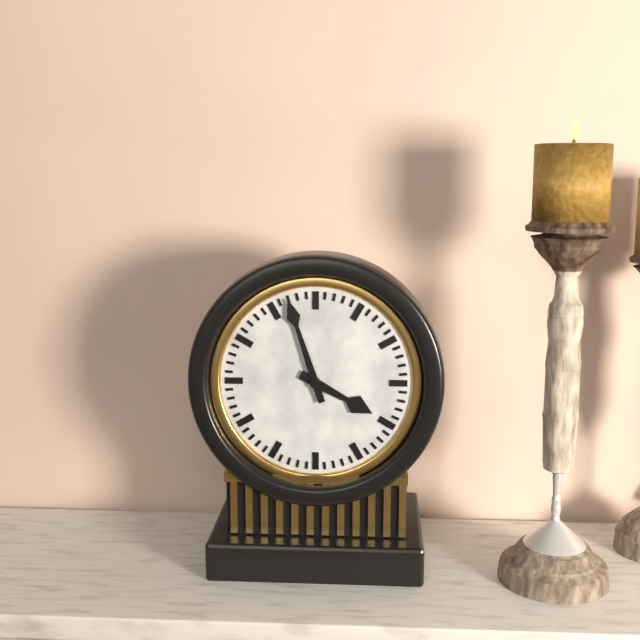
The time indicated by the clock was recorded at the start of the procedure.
3:57
